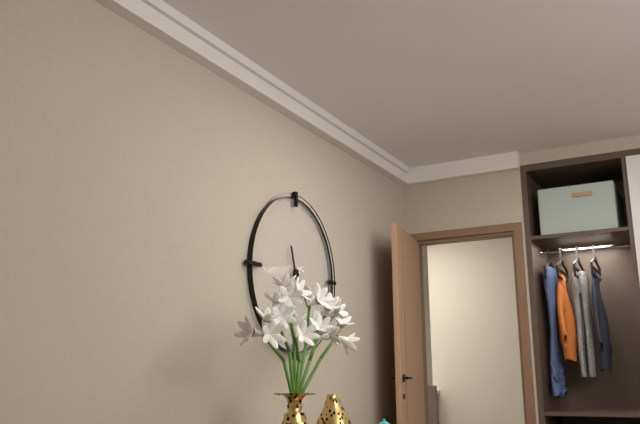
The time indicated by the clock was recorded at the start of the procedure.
11:24
